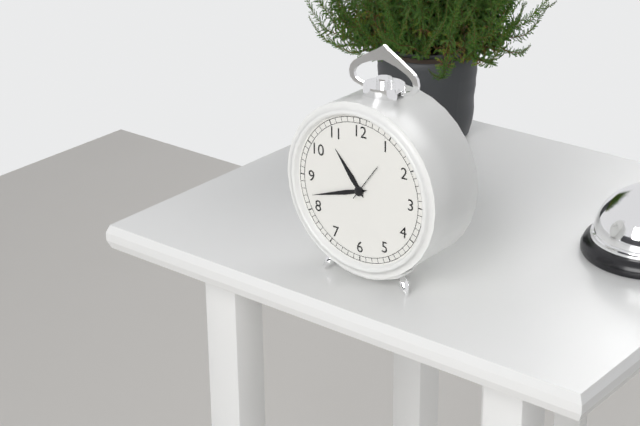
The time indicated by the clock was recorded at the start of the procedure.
10:42
